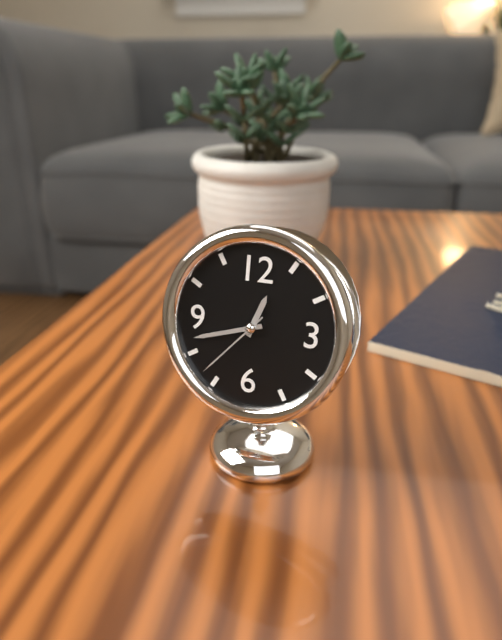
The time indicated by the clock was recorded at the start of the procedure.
12:42:37
